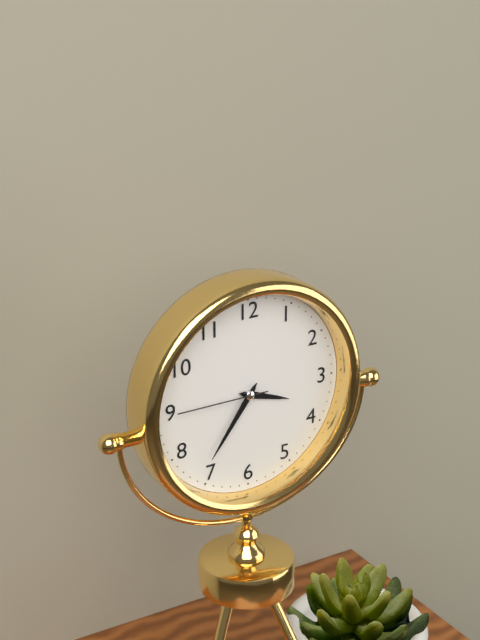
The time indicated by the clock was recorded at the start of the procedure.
3:36:45
